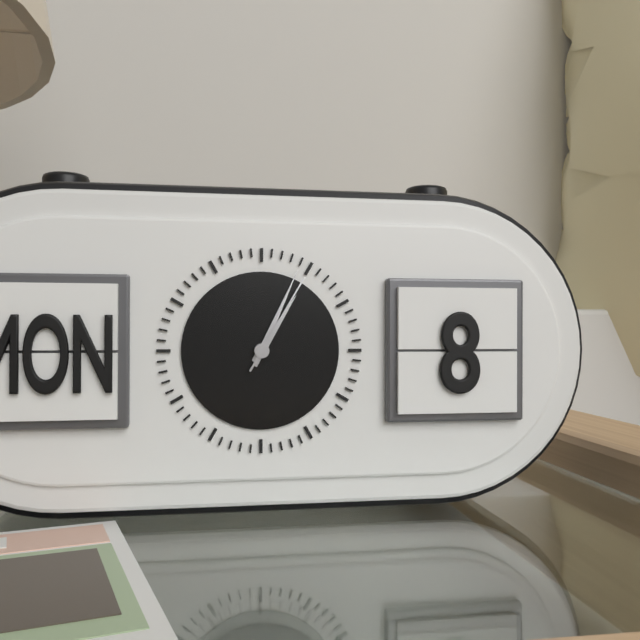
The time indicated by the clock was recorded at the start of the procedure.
1:04:05
